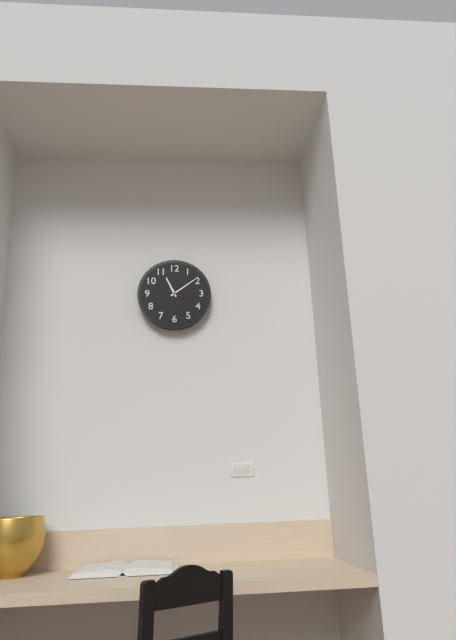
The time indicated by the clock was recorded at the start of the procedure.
11:09
